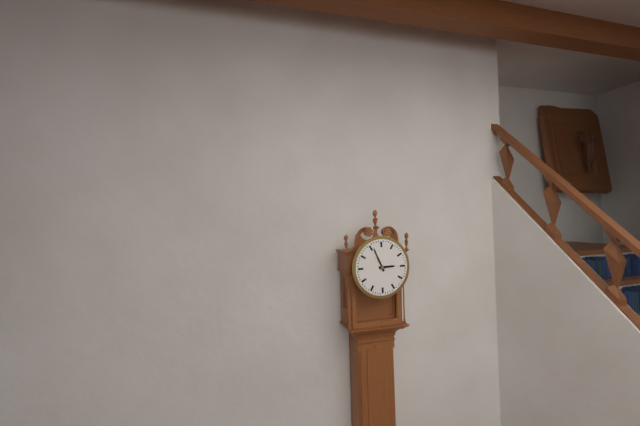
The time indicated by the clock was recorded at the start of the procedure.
2:56
